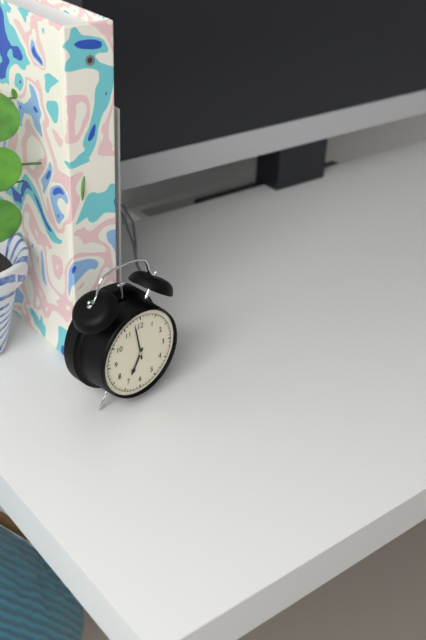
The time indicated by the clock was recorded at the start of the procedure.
6:58
